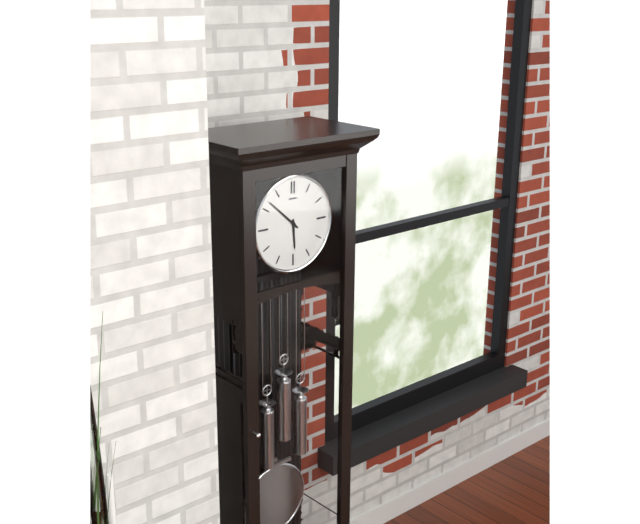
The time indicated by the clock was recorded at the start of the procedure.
5:52
